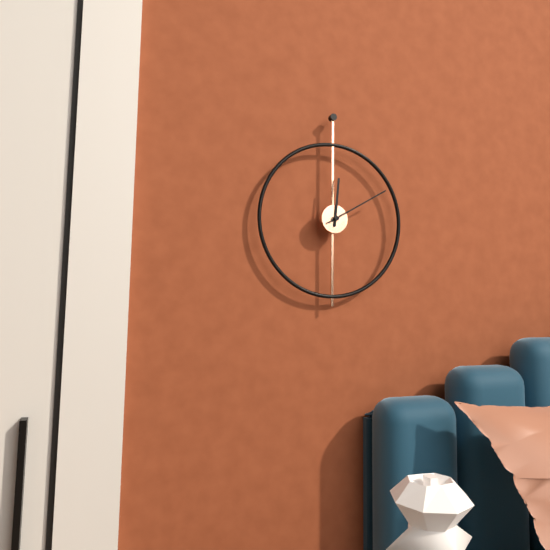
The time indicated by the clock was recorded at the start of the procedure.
12:10
